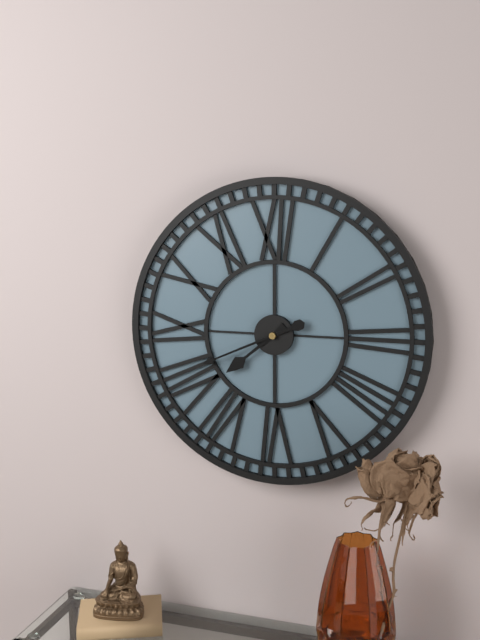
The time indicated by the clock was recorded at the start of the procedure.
7:41
